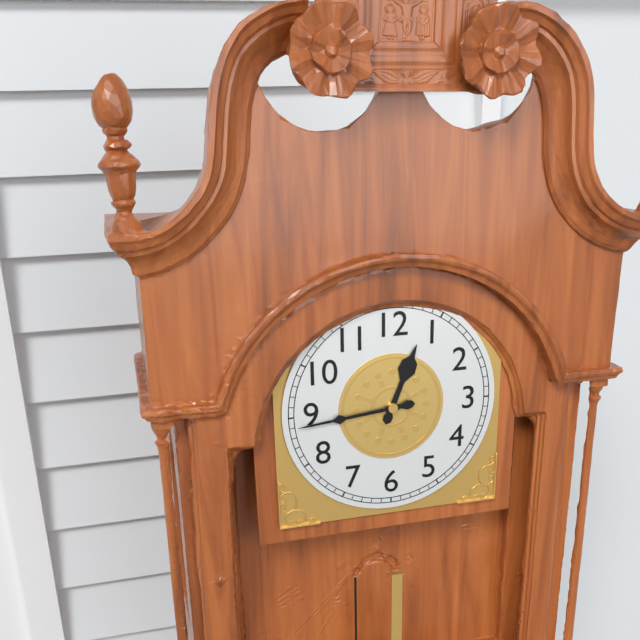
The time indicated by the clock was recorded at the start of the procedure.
12:44
